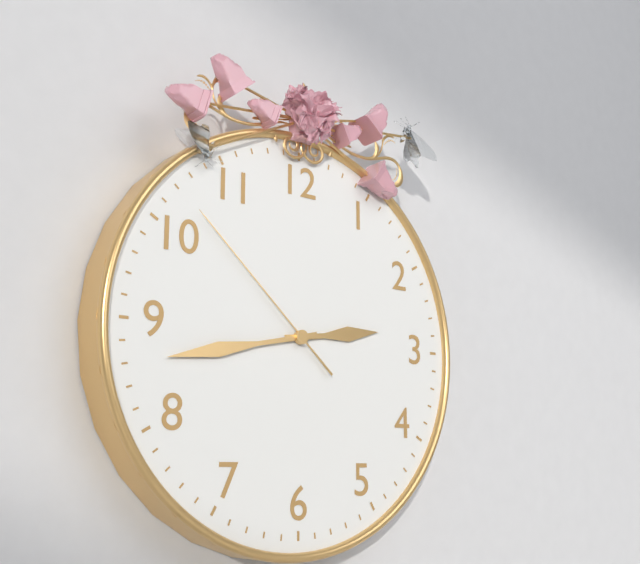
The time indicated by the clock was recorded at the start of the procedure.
2:43:52
